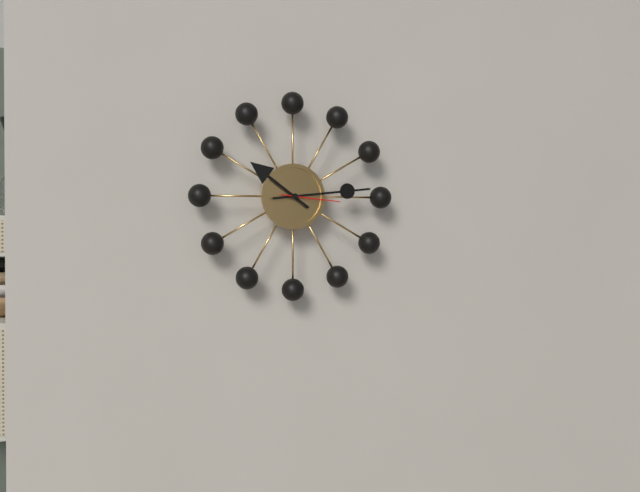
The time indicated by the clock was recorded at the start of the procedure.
10:14:16
